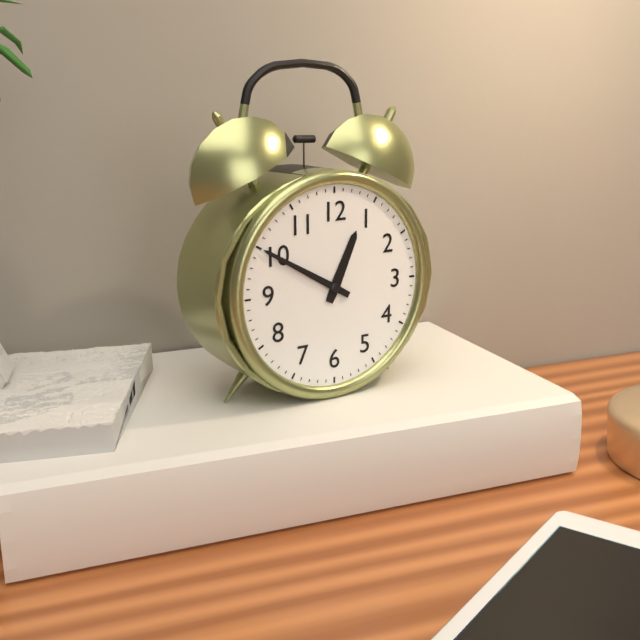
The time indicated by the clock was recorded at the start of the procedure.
12:50
